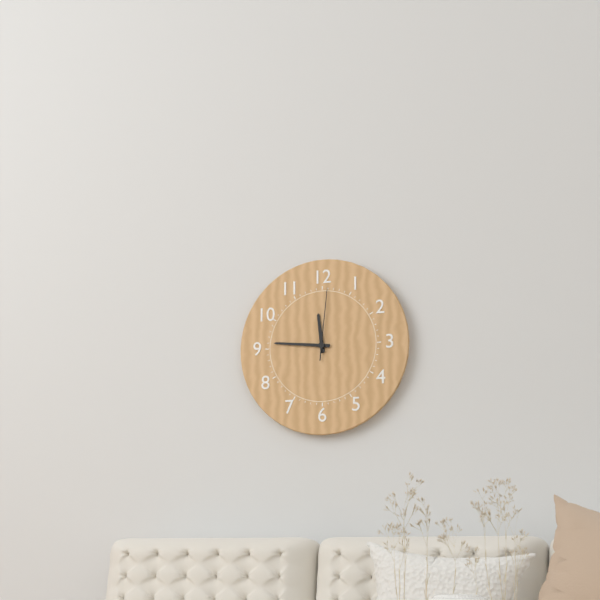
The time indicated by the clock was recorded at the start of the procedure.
11:46:01
